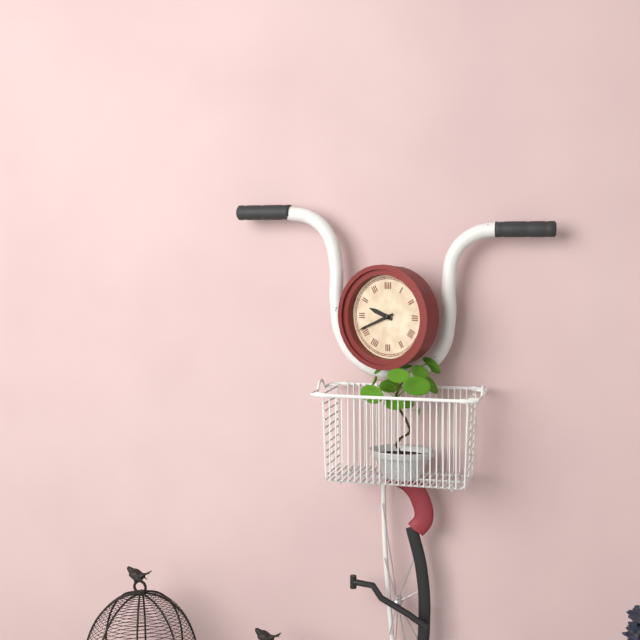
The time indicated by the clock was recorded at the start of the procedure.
9:41
